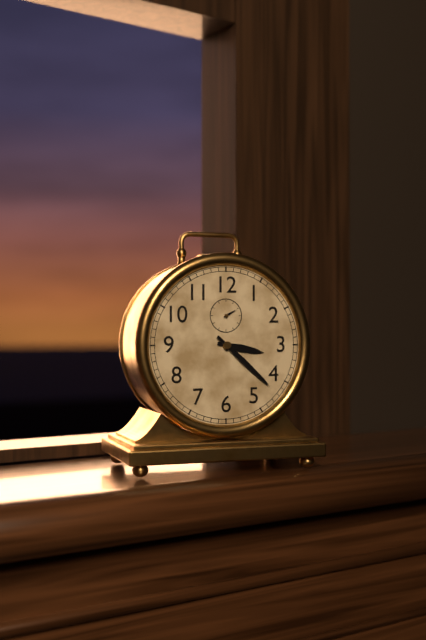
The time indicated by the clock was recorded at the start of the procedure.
3:22
